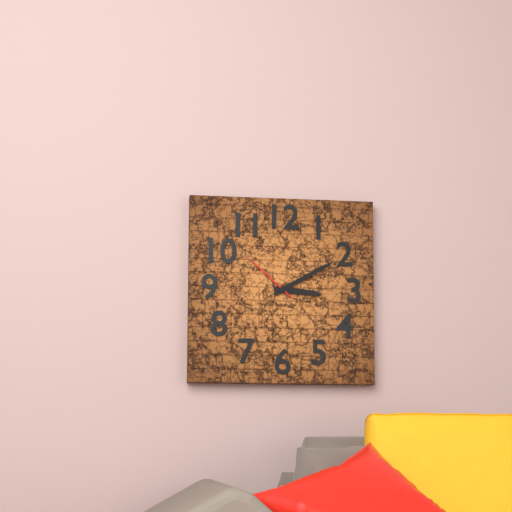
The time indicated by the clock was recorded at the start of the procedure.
3:10:52
